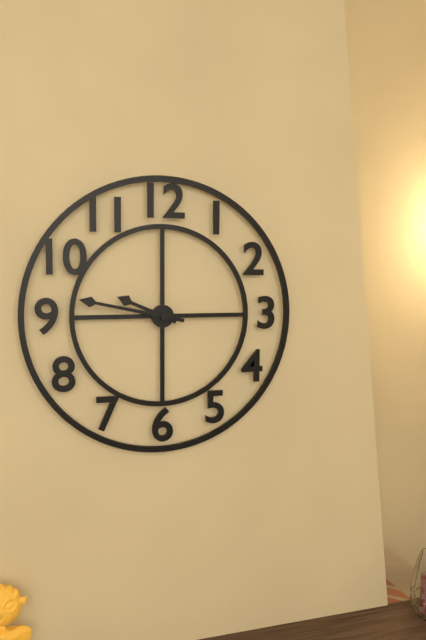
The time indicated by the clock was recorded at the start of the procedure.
9:47
